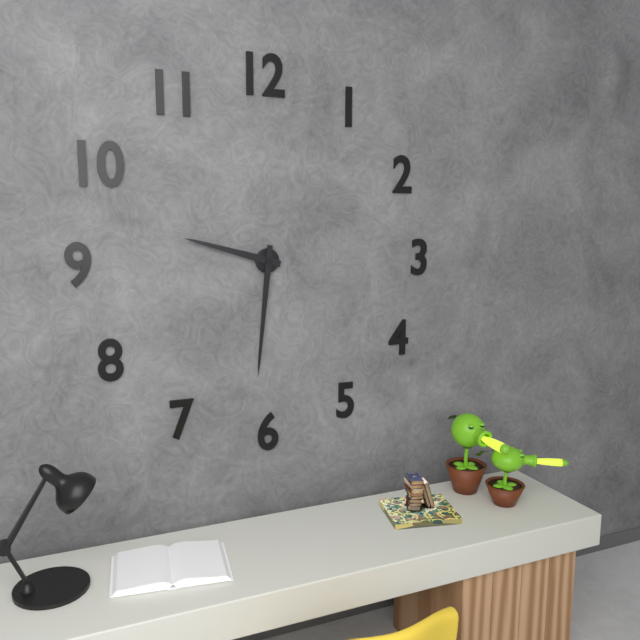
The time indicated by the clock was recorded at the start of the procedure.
9:31
